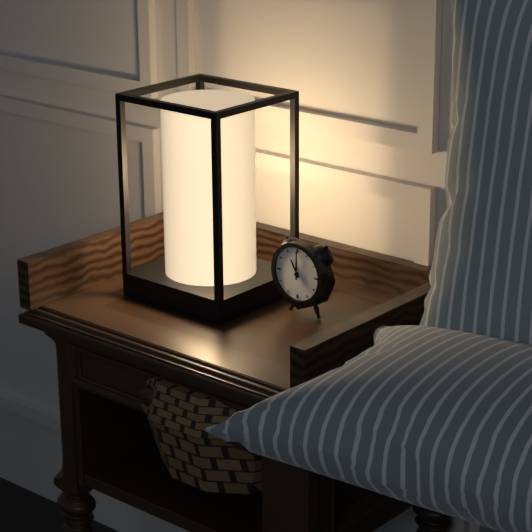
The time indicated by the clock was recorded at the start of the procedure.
11:00
